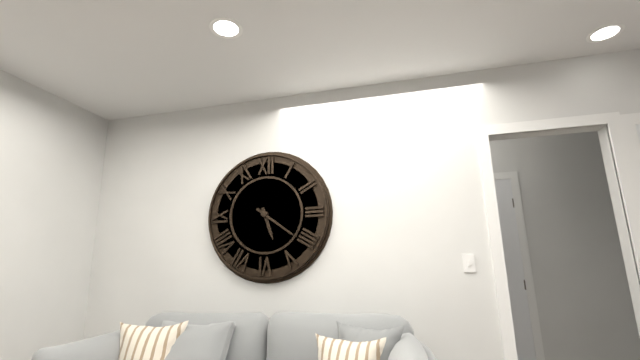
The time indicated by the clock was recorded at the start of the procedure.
5:21
